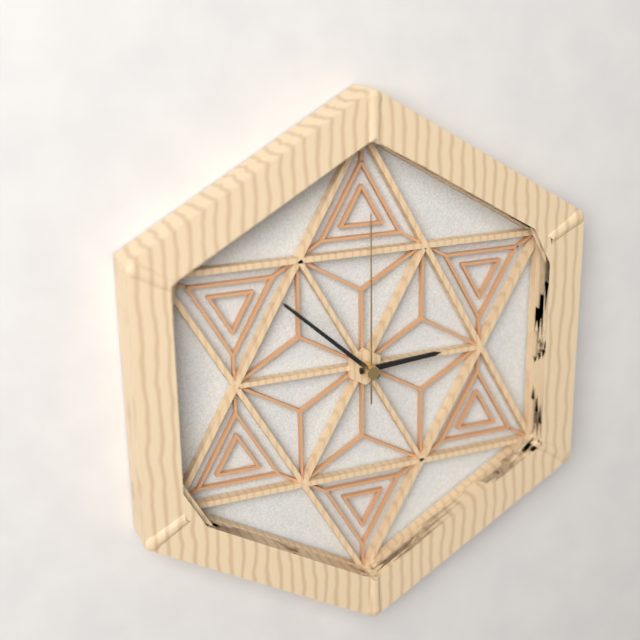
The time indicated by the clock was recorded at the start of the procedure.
2:52:00
